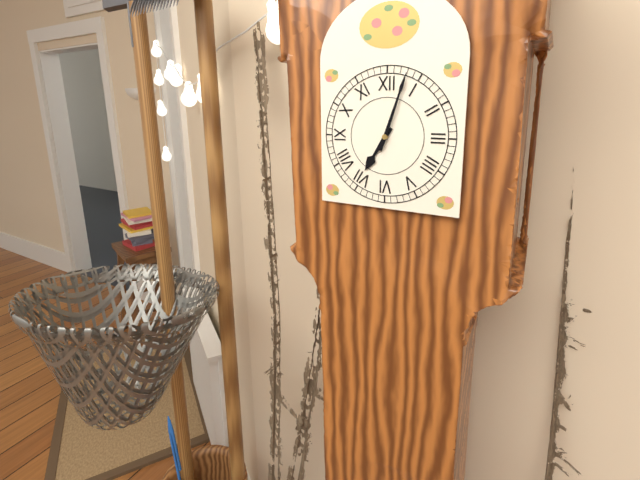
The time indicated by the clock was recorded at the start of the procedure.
7:03
